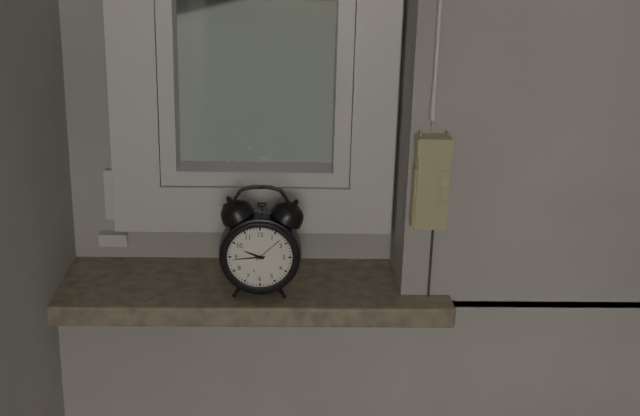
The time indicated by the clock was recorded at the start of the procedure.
9:44
